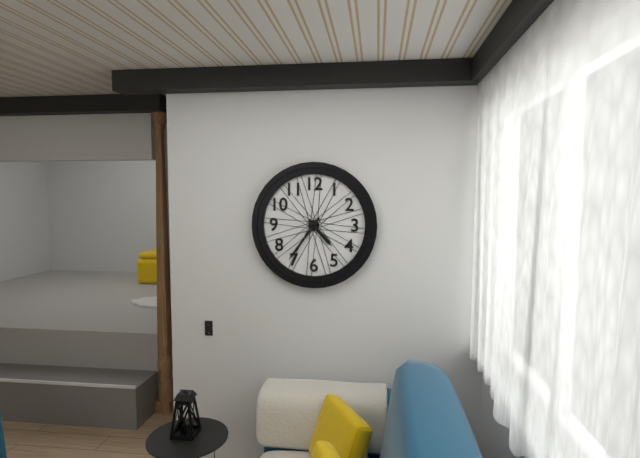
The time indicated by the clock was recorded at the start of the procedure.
4:36
